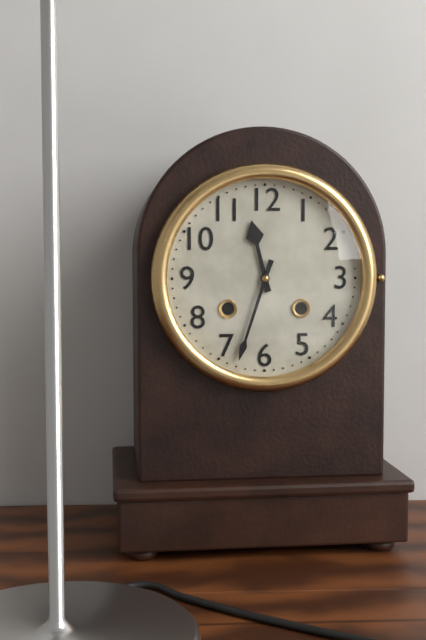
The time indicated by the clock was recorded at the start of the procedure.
11:33
